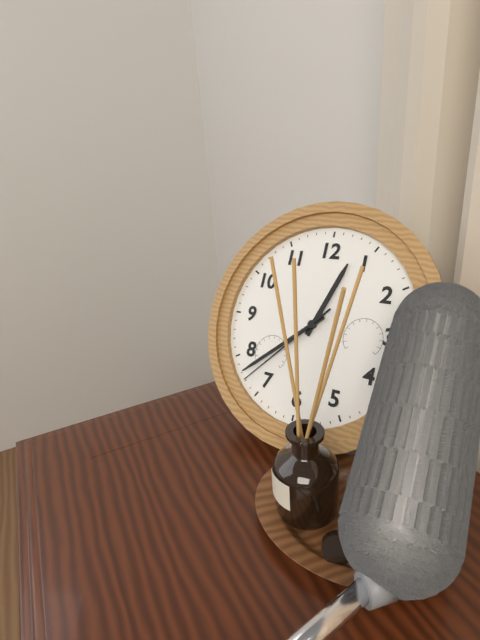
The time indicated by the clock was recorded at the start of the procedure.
12:38:37
